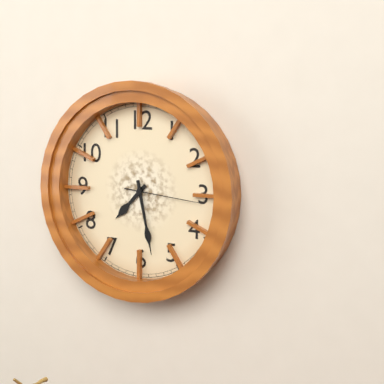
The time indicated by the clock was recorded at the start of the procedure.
7:28:16
